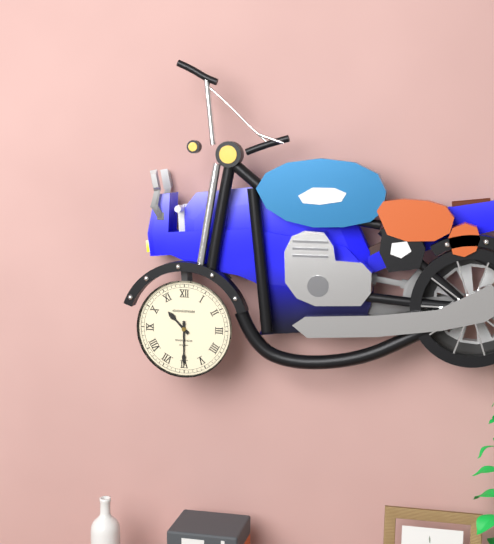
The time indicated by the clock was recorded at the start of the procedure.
10:30
